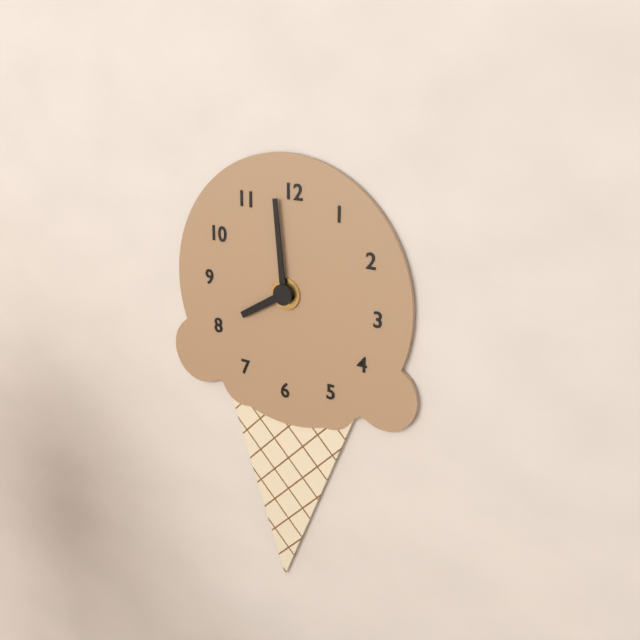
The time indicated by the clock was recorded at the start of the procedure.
7:59
